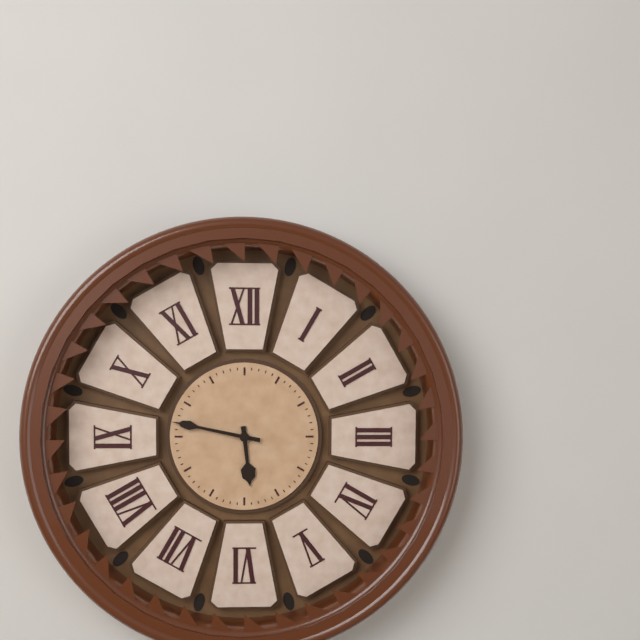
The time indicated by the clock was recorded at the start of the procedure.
5:47
